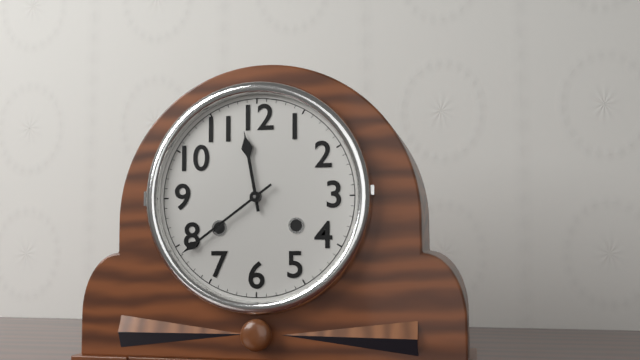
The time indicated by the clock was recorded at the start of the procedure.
11:39
